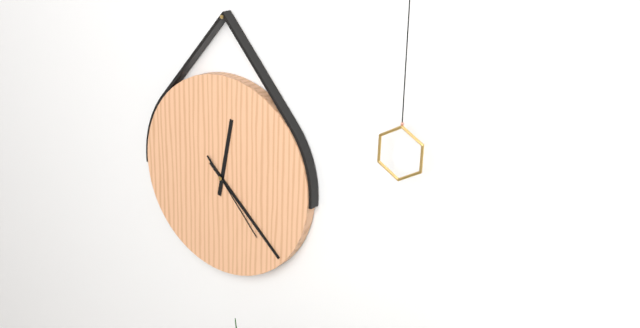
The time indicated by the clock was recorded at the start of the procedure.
12:22:23
